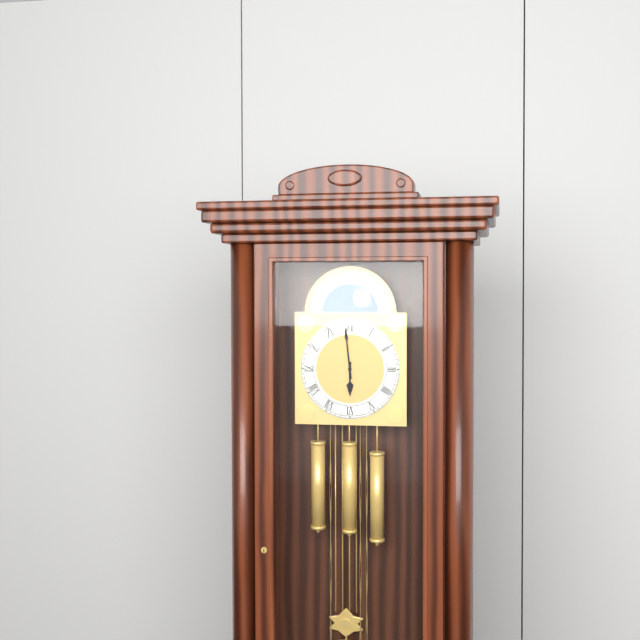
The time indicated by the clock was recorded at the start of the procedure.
5:59
